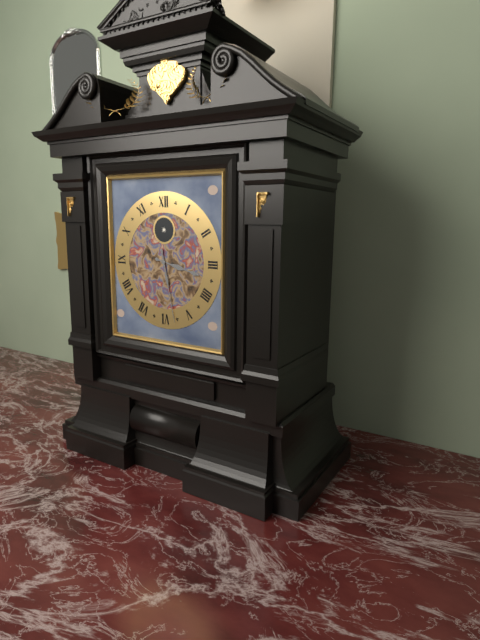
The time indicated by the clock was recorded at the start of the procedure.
3:28
